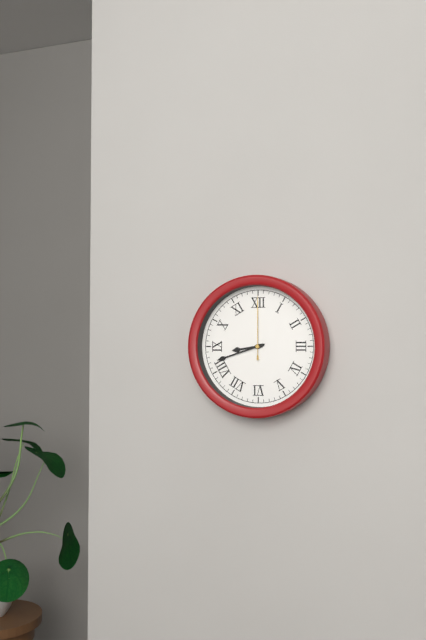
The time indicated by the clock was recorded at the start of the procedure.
8:42:00
